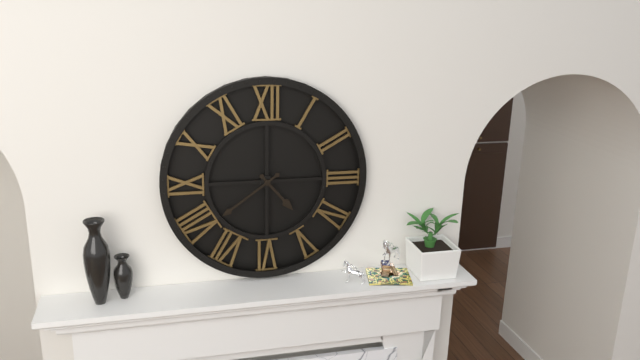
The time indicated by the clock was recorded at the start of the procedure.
4:39
